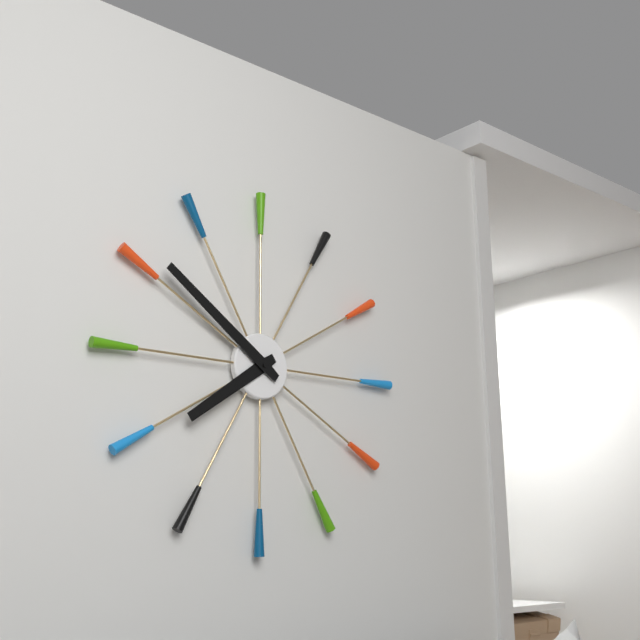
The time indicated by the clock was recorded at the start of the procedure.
7:51
